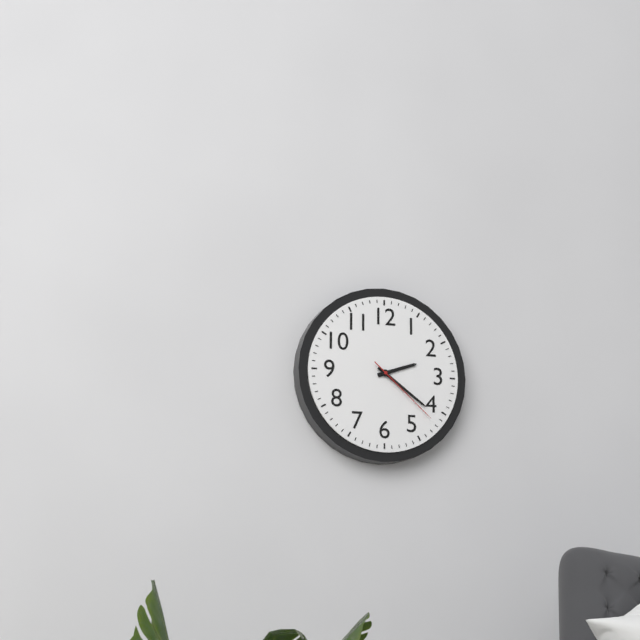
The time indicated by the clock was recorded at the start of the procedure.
2:21:22
